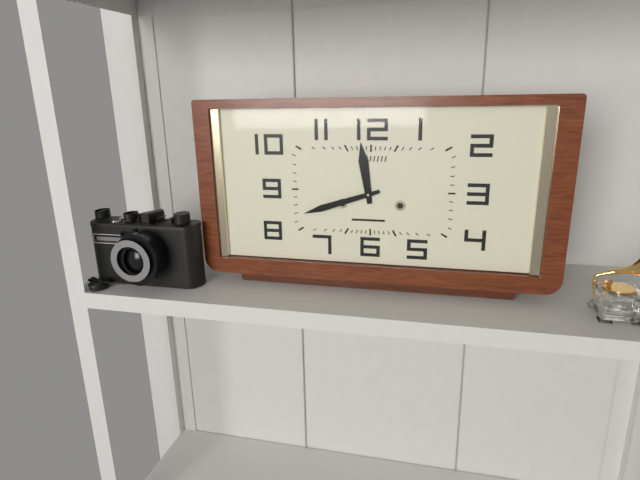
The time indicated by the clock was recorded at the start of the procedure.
11:42
